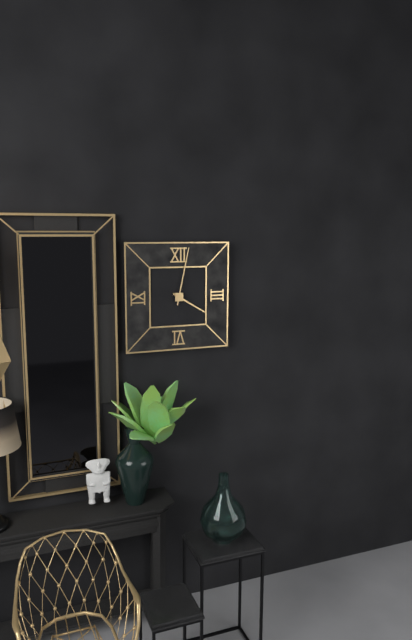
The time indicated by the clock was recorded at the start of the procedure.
4:02
